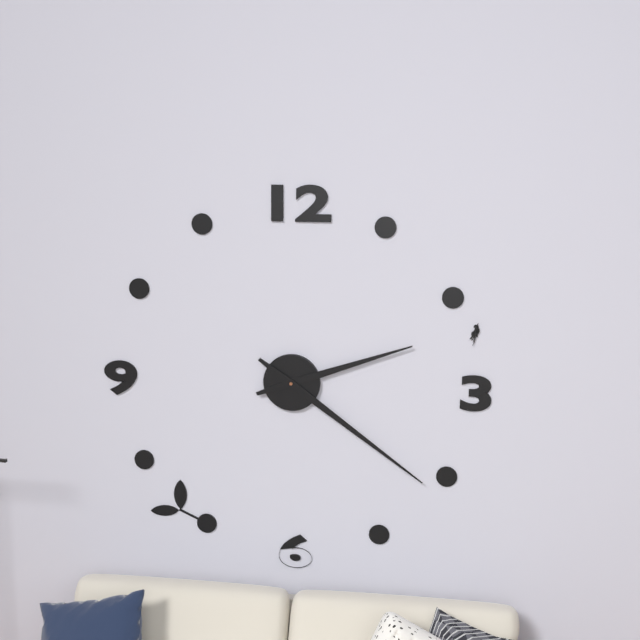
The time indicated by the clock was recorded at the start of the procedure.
2:21
